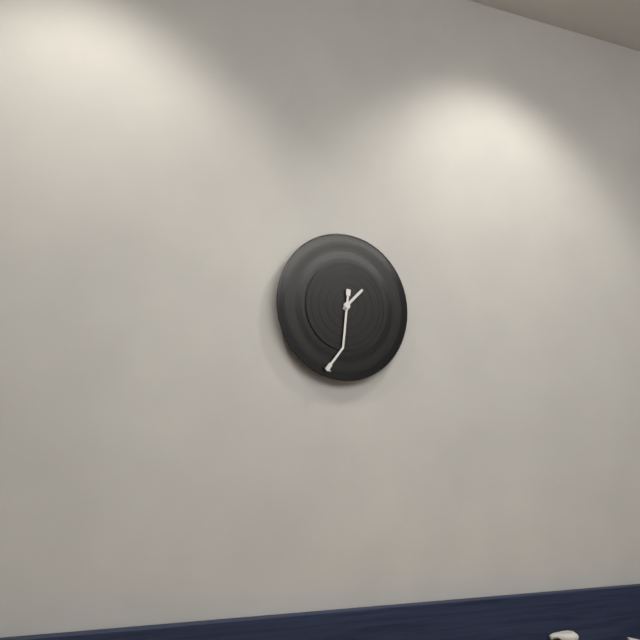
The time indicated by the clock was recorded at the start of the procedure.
1:31
